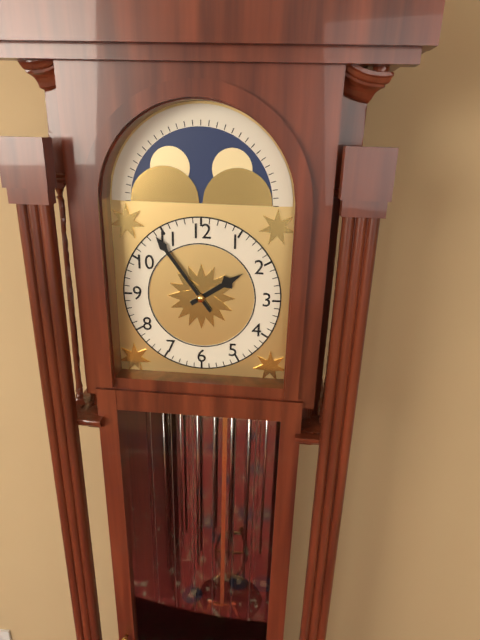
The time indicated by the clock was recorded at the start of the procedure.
1:54
